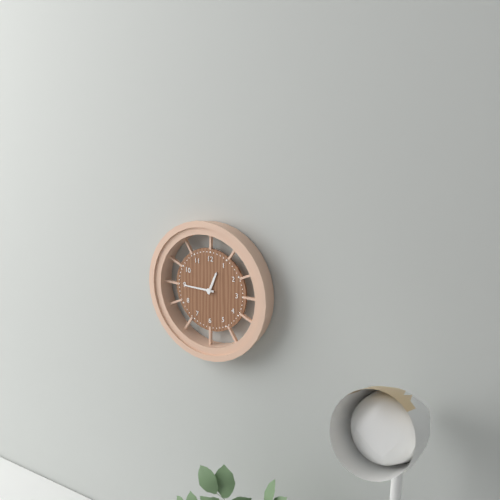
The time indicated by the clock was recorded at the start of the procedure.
12:45
